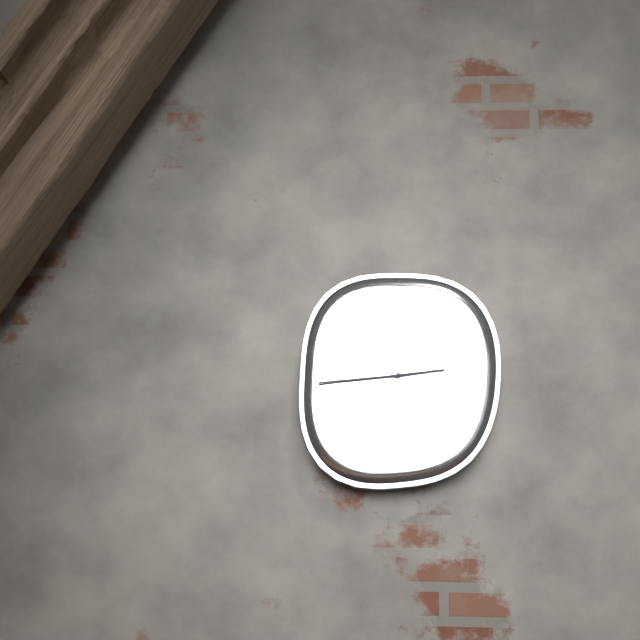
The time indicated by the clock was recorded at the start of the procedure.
2:44
